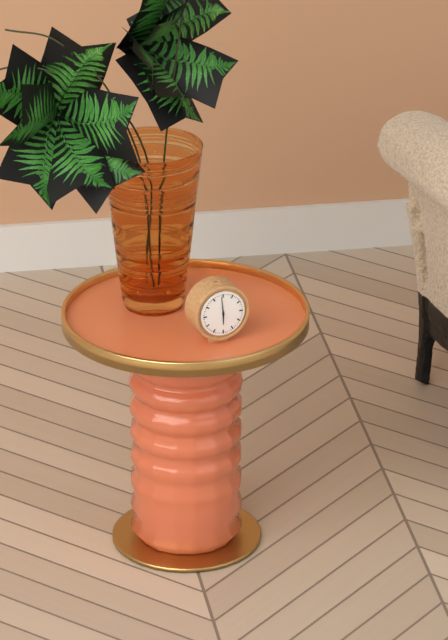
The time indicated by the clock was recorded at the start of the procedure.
5:59
